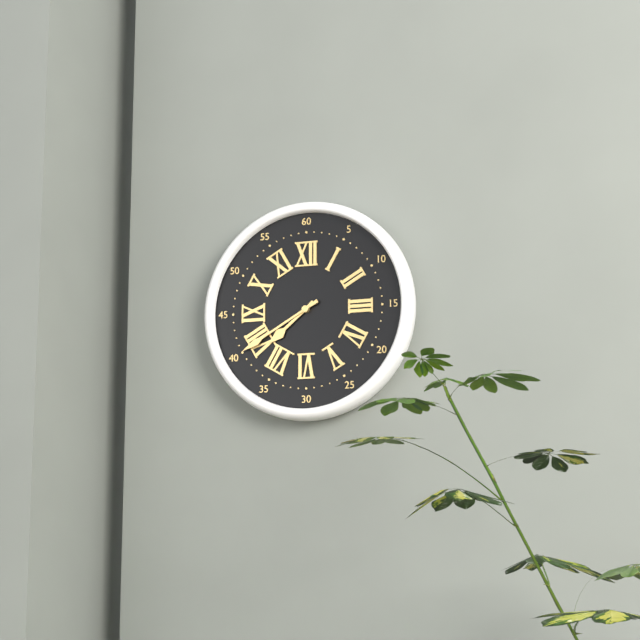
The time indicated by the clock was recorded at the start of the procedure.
7:40
